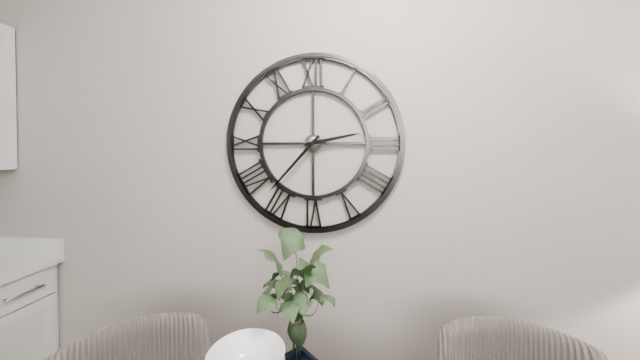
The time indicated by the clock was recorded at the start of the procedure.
2:37
